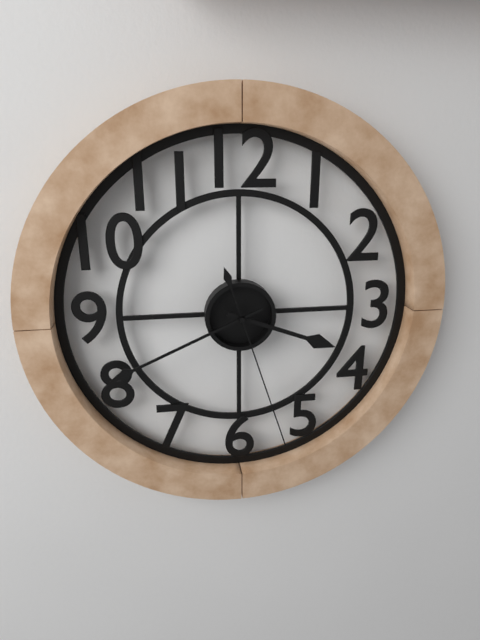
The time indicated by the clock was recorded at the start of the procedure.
3:41:27
